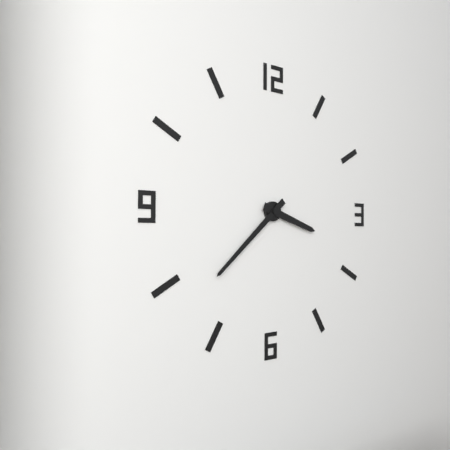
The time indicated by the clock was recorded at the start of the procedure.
3:38
